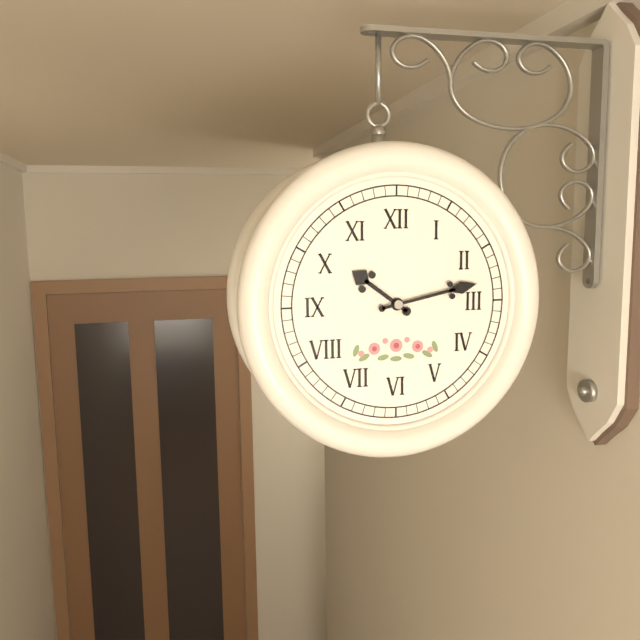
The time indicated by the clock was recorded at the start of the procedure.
10:13
